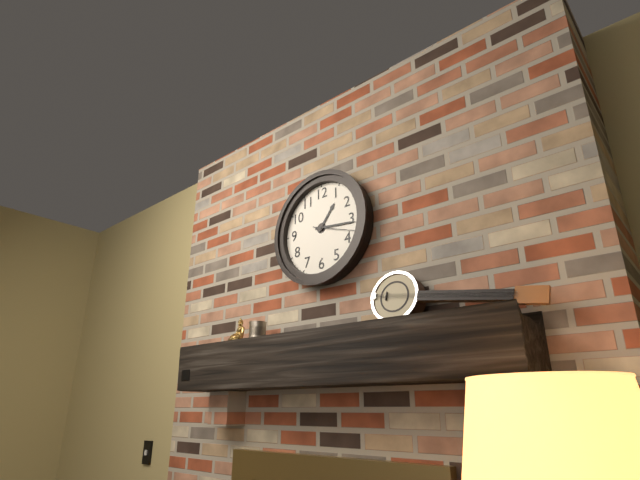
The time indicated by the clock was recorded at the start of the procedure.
1:16
